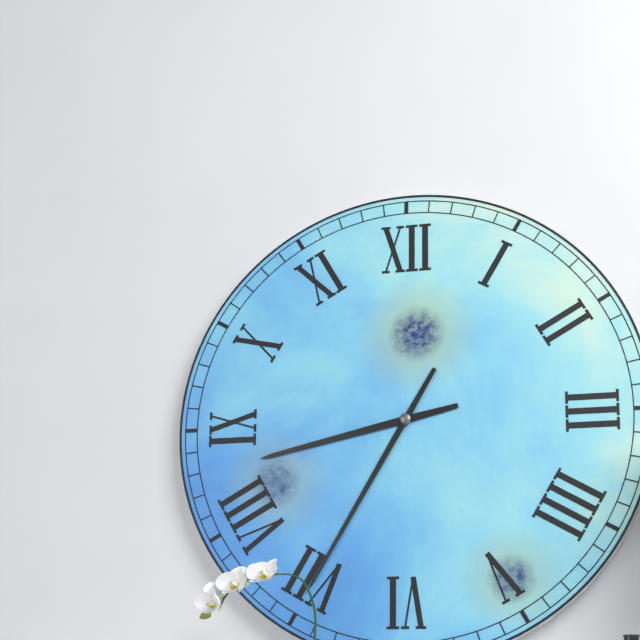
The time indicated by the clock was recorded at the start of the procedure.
8:35
